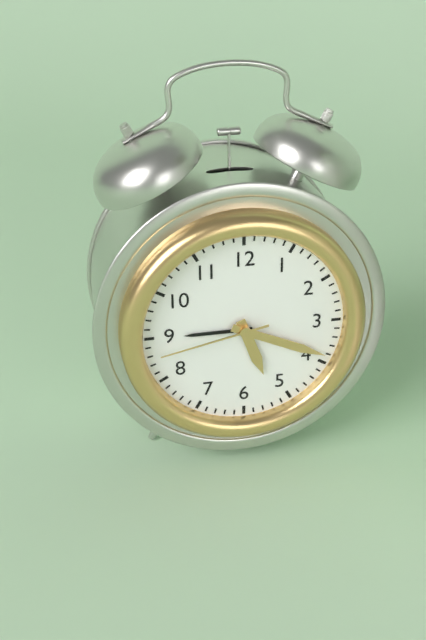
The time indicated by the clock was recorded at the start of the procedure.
5:19:43
